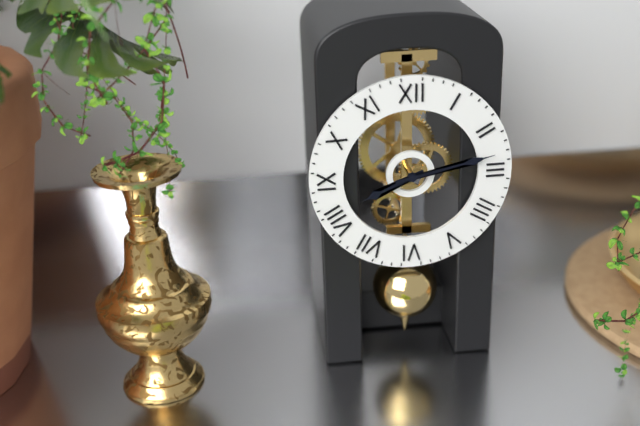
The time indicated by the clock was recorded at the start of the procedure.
8:13
